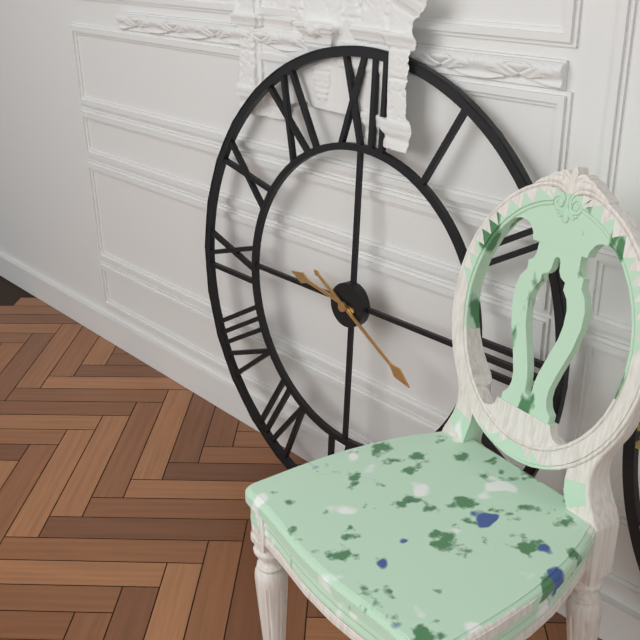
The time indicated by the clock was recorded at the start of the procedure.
9:20
